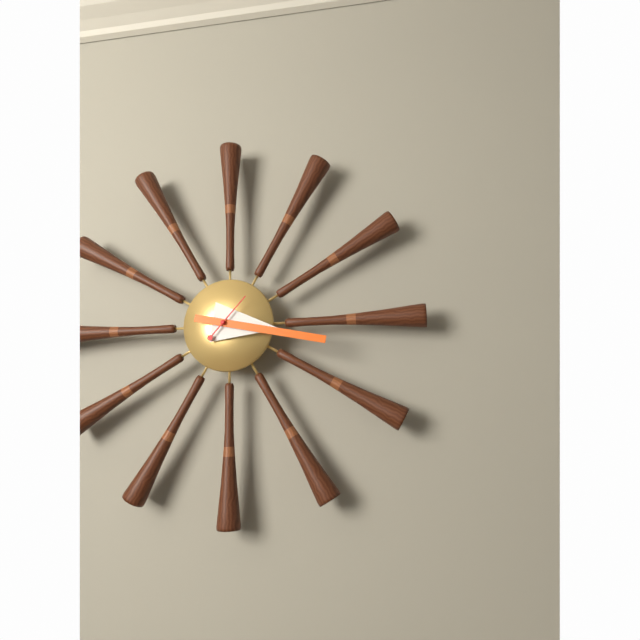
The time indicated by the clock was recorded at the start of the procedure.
3:17
